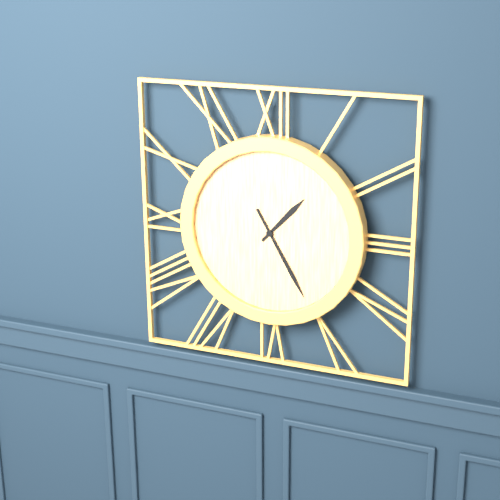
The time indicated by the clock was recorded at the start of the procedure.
1:25
